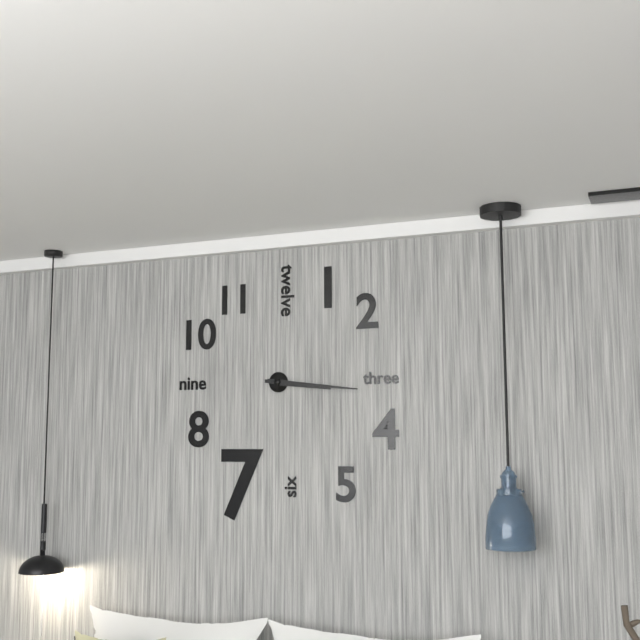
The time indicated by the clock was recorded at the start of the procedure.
3:16
